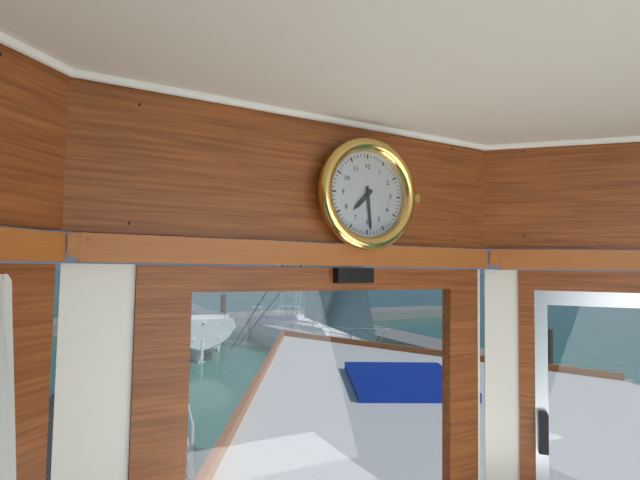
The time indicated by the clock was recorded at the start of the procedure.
7:29
